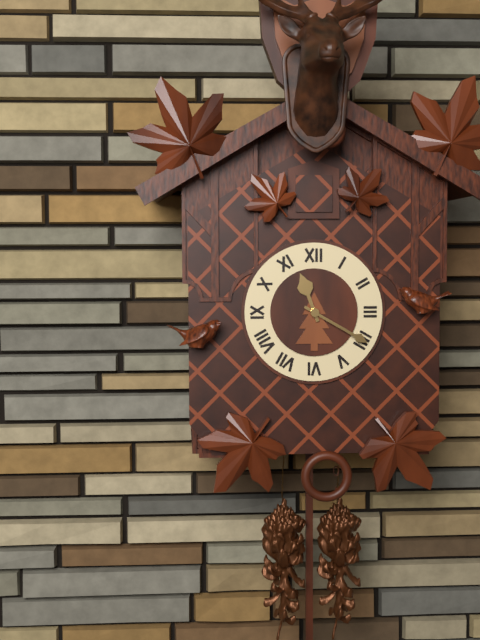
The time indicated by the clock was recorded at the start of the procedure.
11:20
